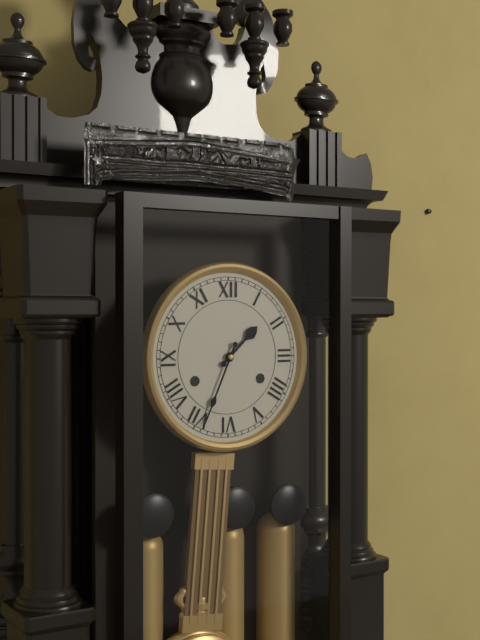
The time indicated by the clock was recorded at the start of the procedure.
1:34
